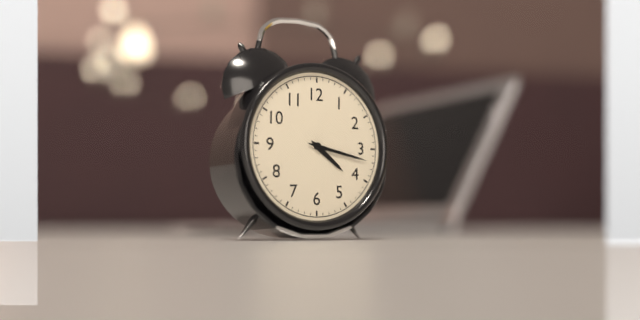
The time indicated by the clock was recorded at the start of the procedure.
4:17
